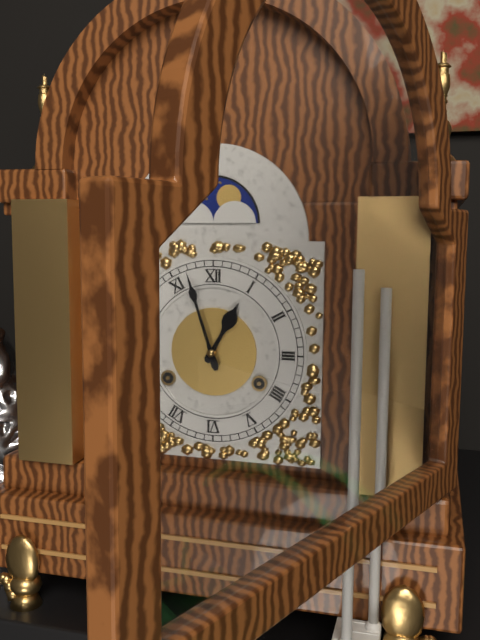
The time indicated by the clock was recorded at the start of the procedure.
12:57
